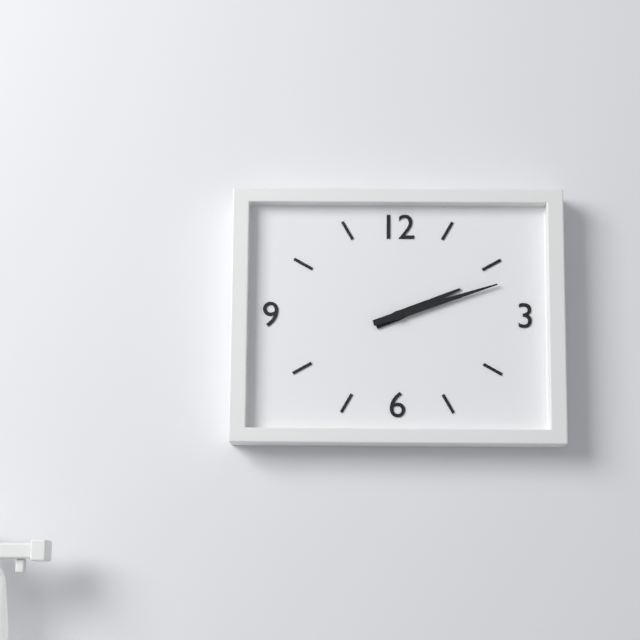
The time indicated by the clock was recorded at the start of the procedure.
2:12
